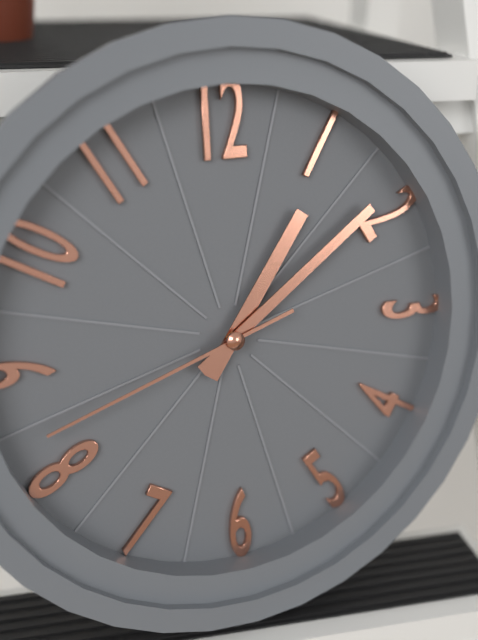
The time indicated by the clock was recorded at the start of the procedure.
1:09:42
